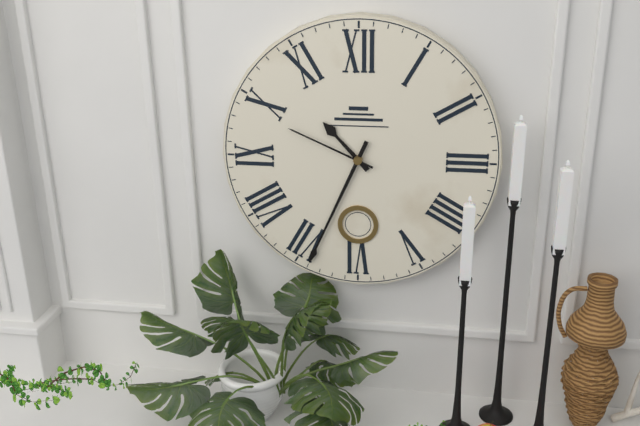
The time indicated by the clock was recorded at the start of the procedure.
10:34:49
